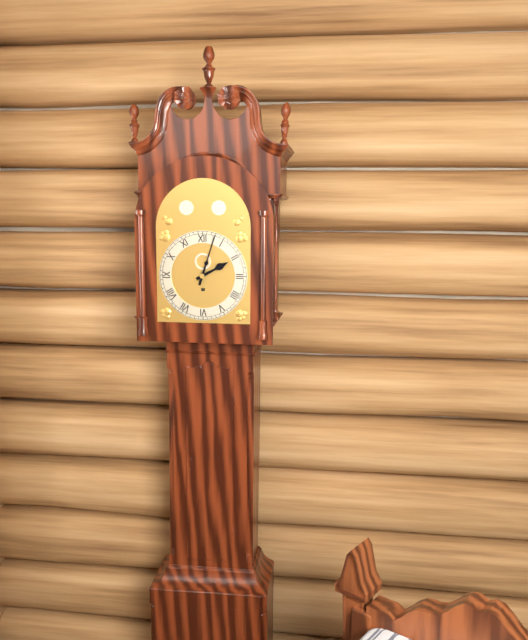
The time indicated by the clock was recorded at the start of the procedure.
2:03
